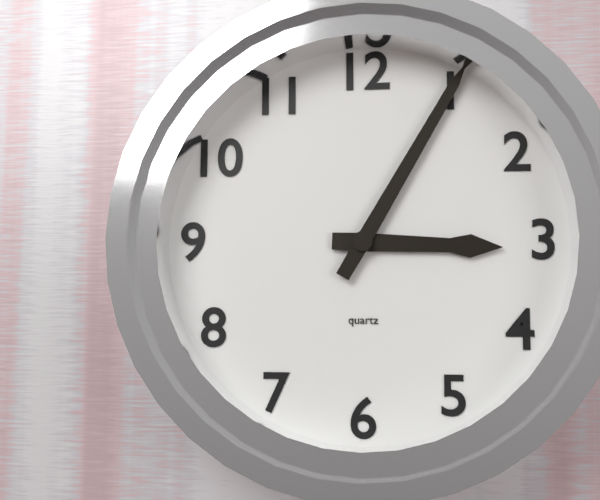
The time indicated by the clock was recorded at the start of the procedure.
3:05
